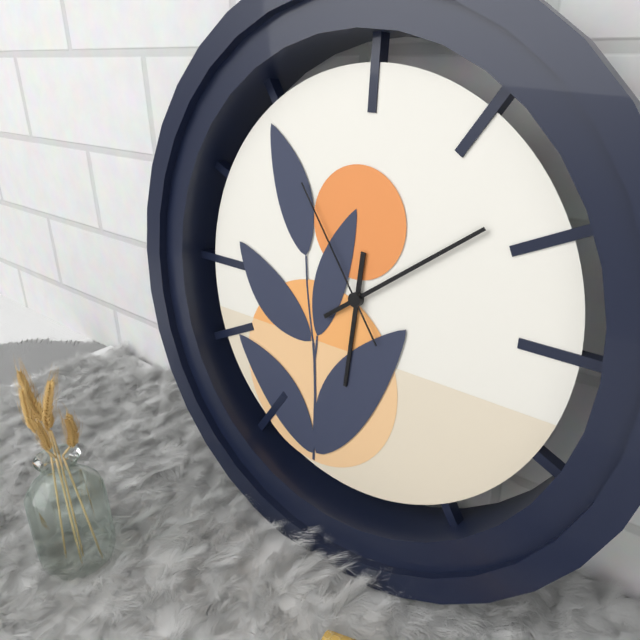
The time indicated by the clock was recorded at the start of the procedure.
6:09:54
